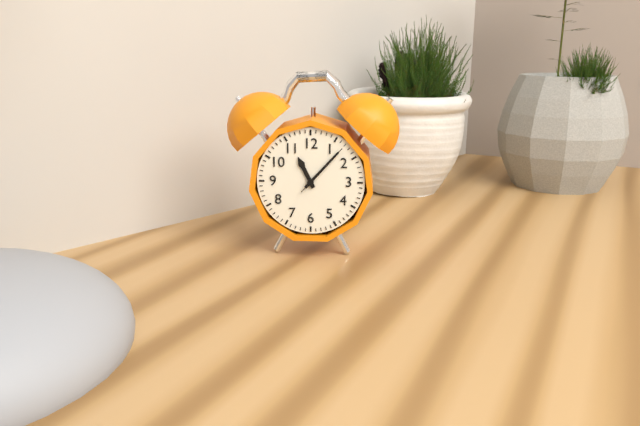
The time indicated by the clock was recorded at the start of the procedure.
11:07:07
